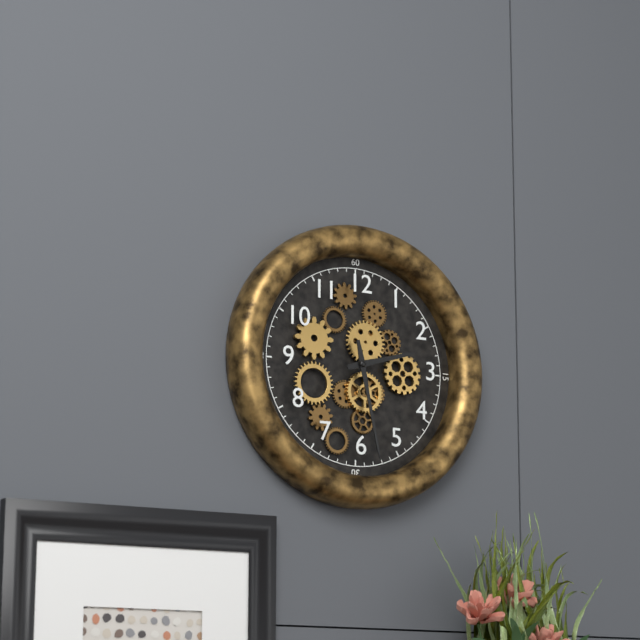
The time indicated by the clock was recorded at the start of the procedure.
2:28
